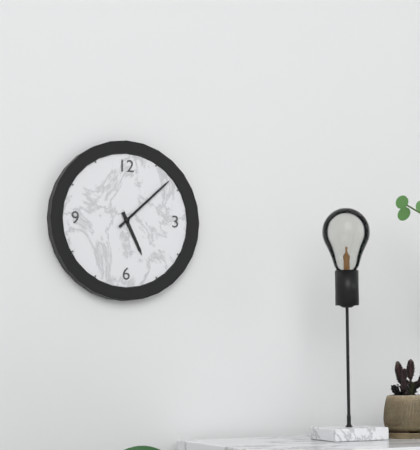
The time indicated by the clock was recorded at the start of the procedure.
5:08
